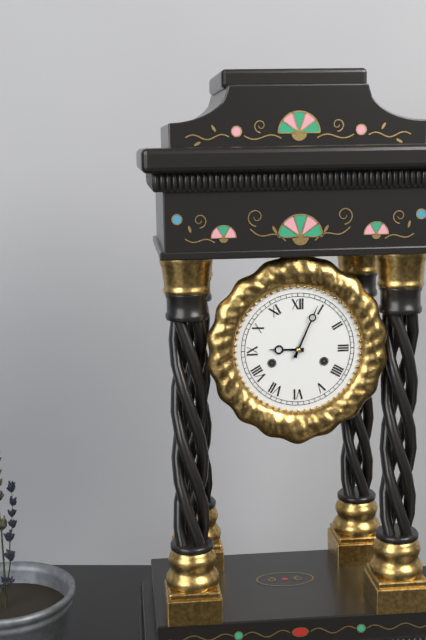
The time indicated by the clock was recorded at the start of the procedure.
9:04
